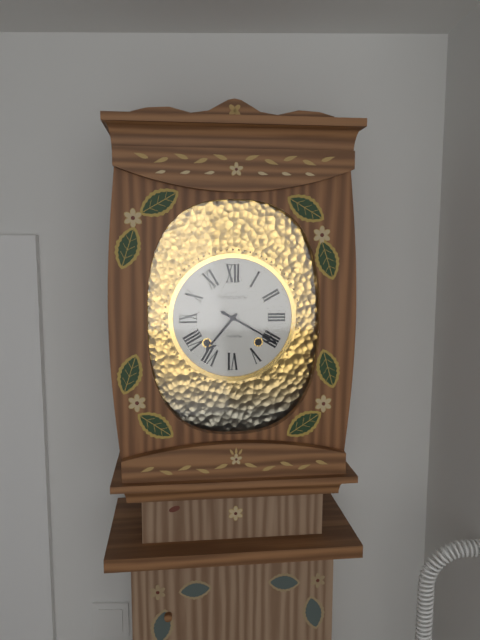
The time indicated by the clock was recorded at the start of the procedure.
7:20
